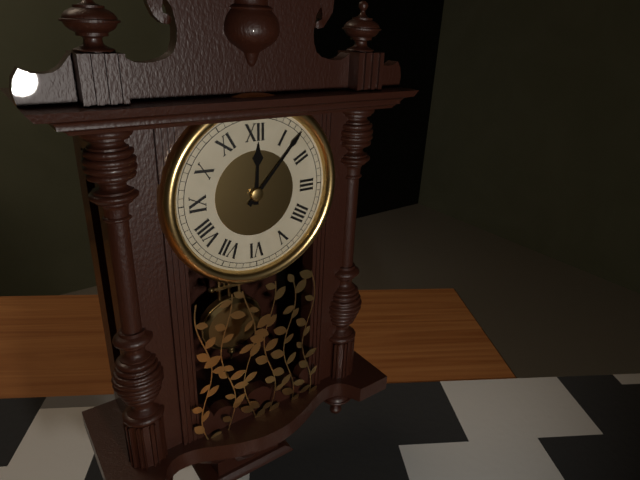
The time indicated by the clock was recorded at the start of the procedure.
12:07
